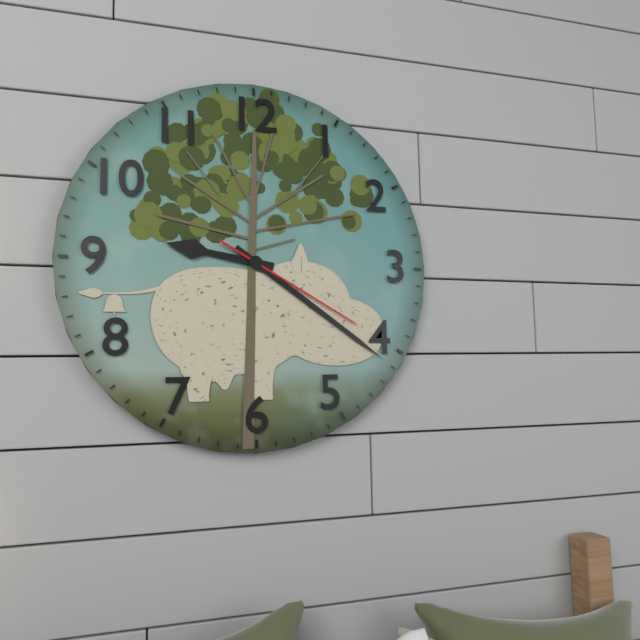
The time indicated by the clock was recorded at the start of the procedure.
9:21:20
